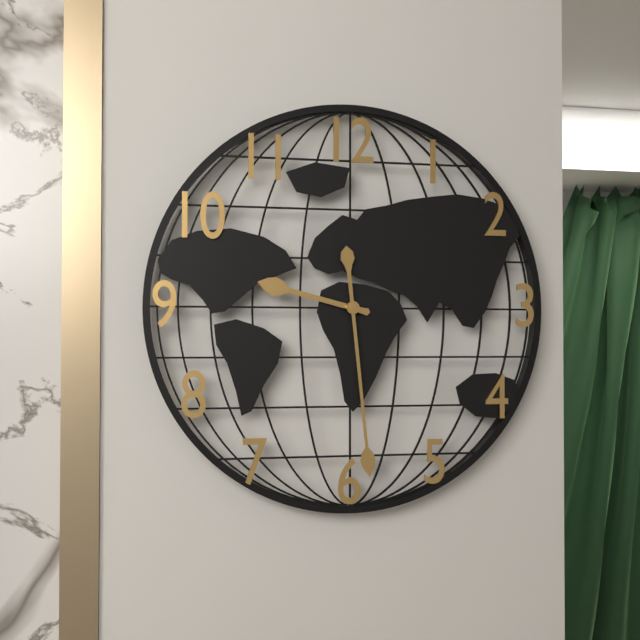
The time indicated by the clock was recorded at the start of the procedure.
9:29
